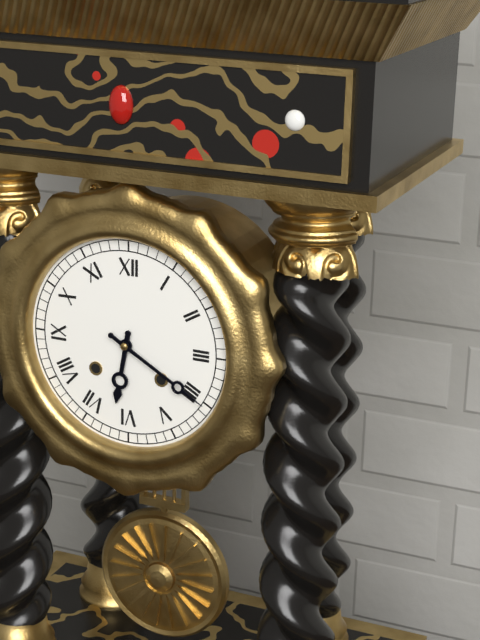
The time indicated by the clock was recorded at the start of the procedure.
6:20
